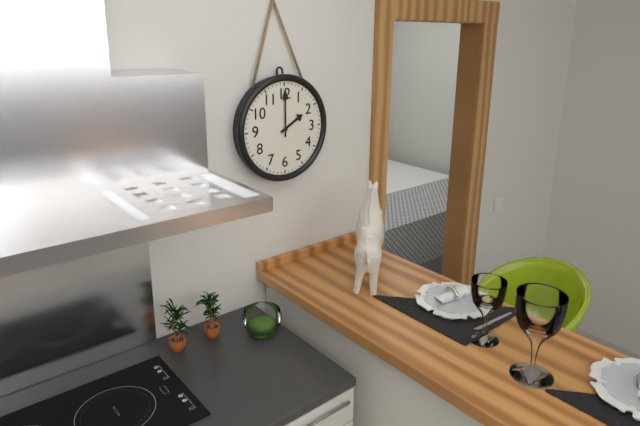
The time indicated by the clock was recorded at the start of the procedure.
2:00
